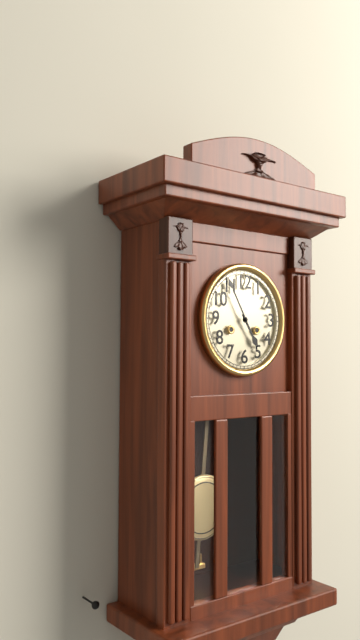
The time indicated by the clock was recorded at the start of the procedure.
4:55
